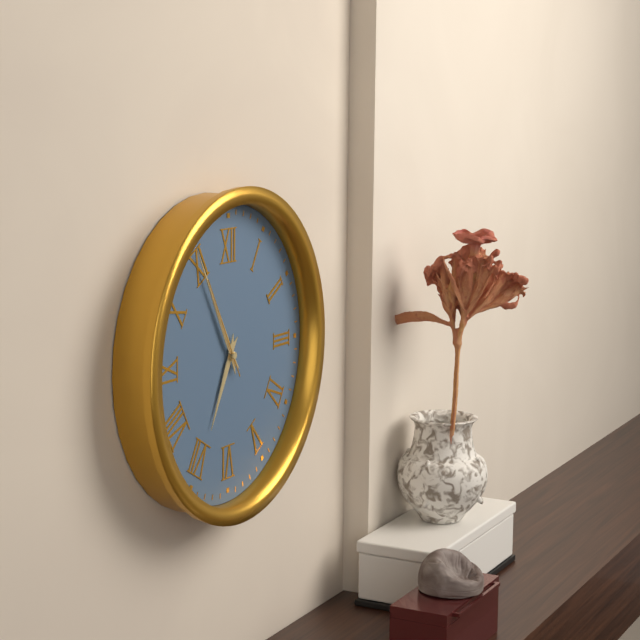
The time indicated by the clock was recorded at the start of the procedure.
6:55:55
